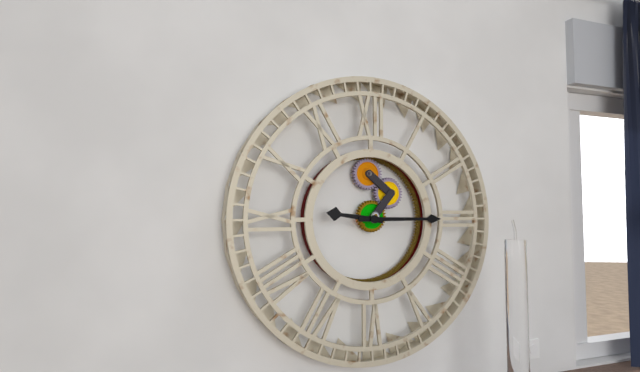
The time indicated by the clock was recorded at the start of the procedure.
9:15
